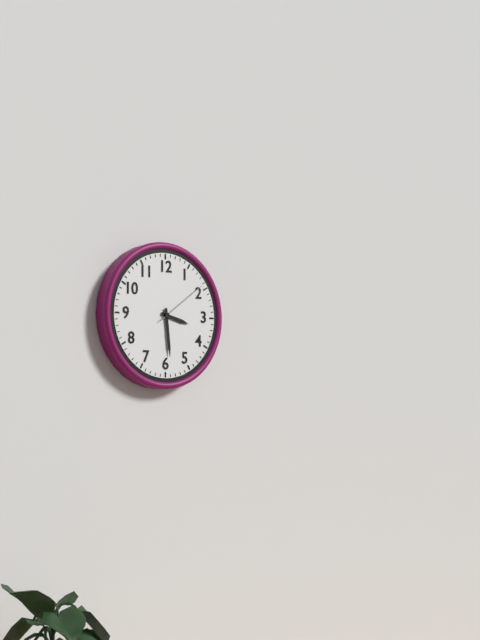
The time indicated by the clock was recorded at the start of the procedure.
3:29:09
